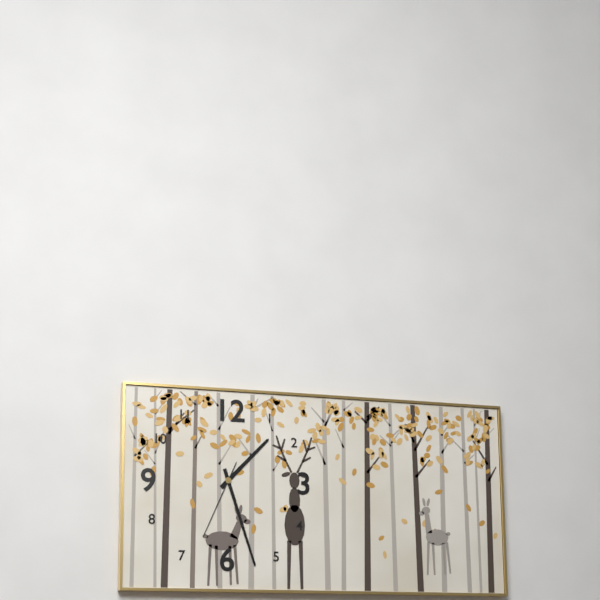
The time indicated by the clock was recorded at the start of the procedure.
1:27:34
